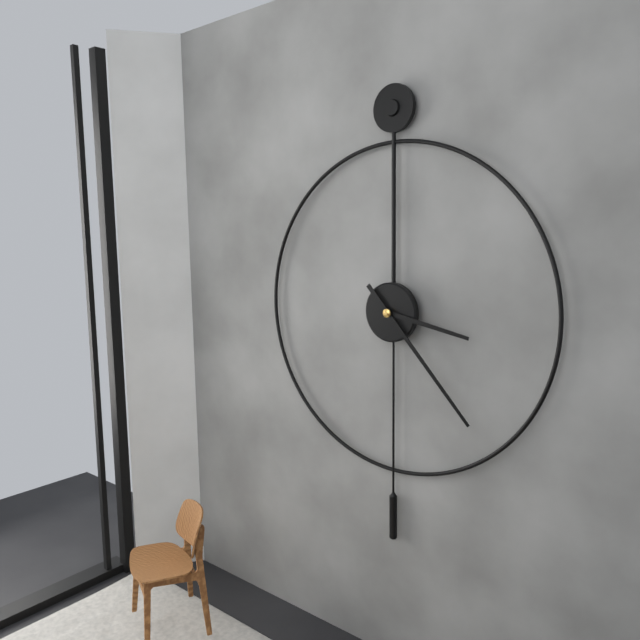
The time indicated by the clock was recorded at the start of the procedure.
3:23
